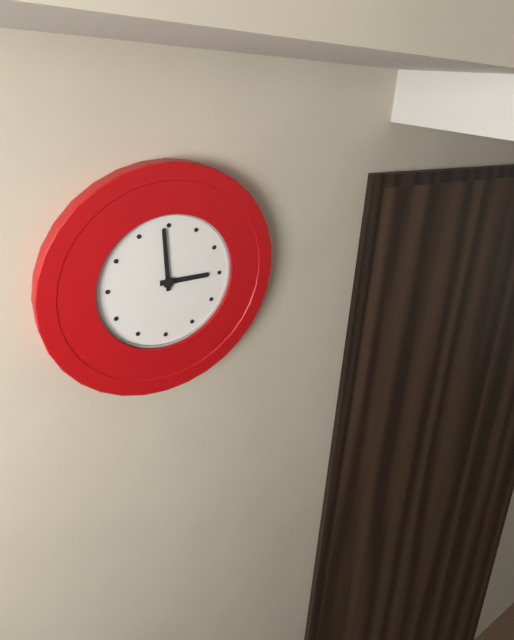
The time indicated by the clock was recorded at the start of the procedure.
2:59
